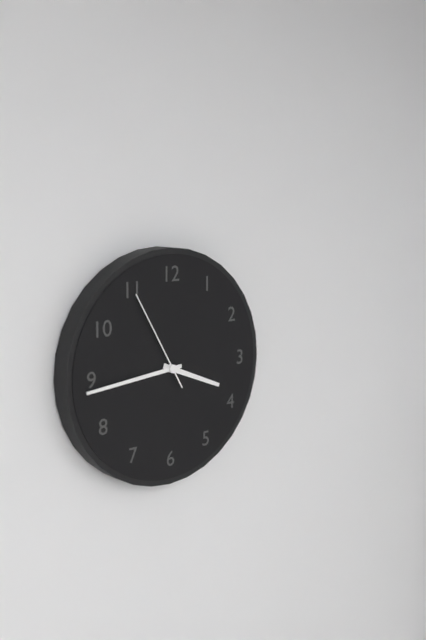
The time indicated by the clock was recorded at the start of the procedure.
3:44:55
